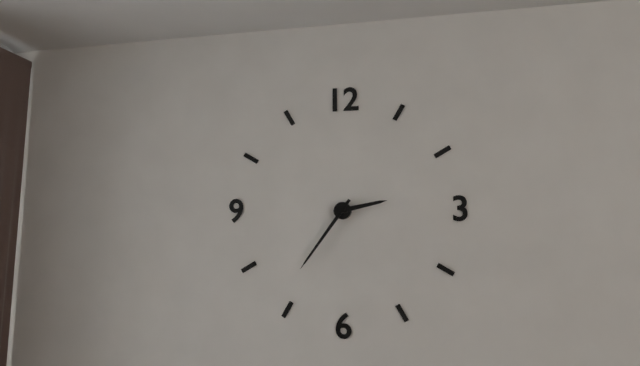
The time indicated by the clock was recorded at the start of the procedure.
2:36
